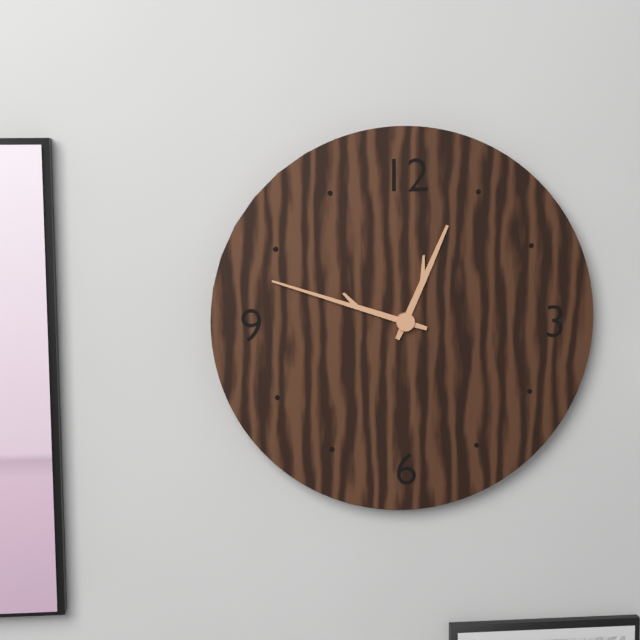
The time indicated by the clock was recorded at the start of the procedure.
12:48
